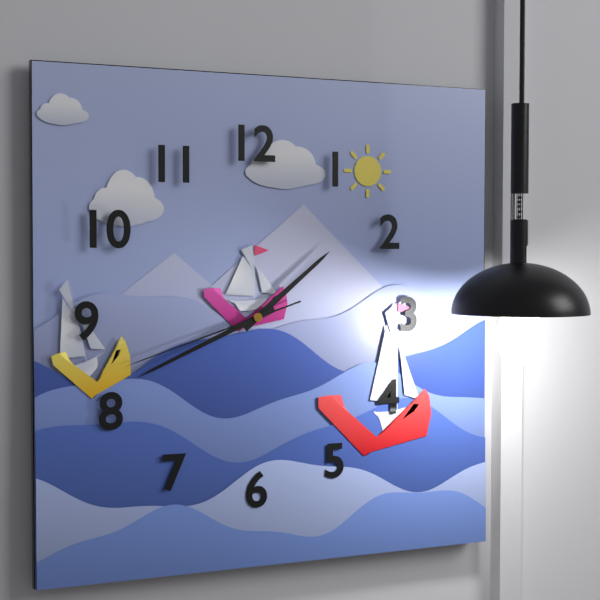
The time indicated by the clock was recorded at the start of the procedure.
1:41:42
